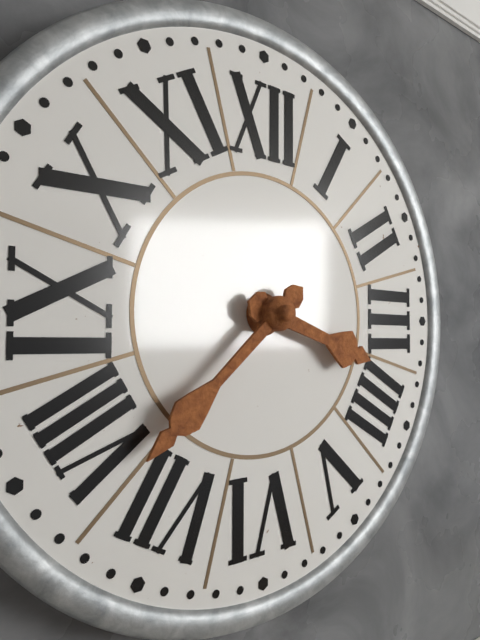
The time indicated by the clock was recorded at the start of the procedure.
3:38
